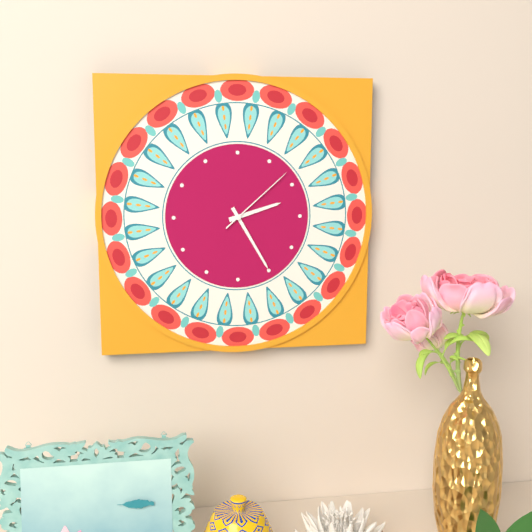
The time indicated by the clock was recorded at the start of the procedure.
2:25:08
